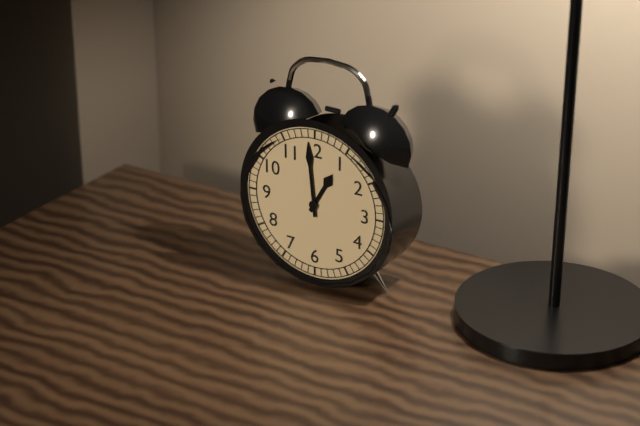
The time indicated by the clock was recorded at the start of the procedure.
12:59
